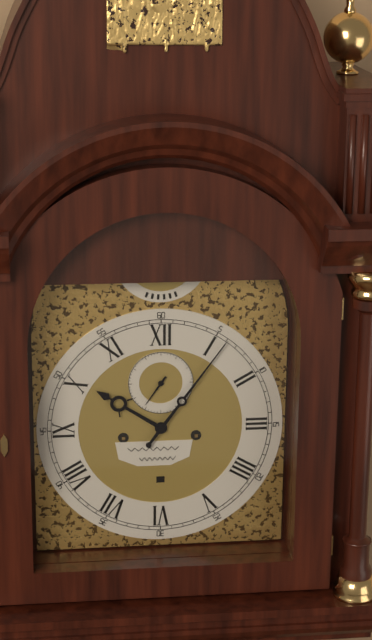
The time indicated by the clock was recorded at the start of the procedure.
10:06
